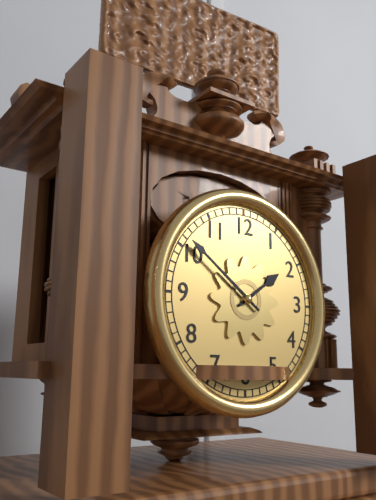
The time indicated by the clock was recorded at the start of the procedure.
1:51
